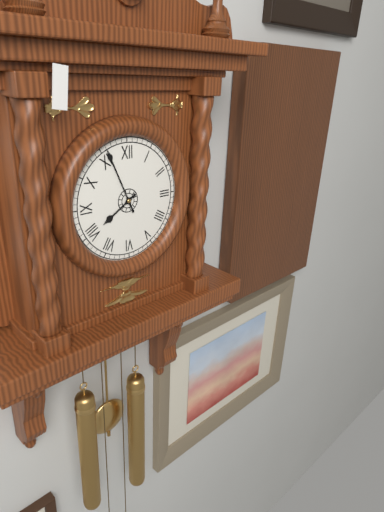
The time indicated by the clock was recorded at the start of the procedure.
7:56
